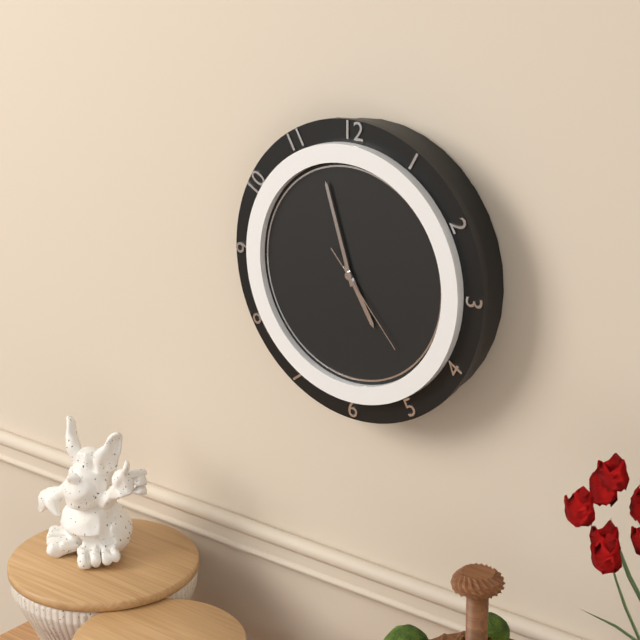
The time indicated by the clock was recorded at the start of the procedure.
4:57:23
